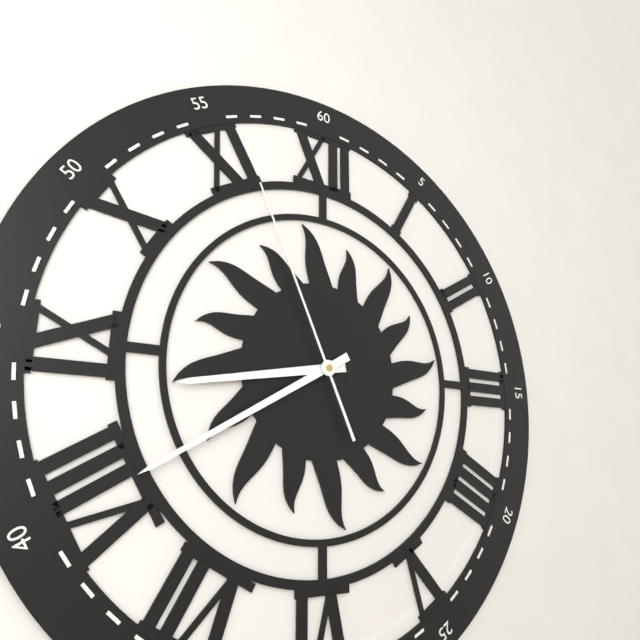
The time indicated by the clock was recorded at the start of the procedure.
8:40:56
